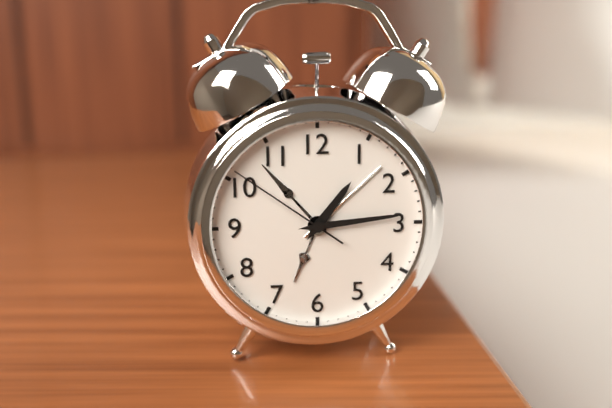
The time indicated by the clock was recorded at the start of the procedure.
1:14:51
